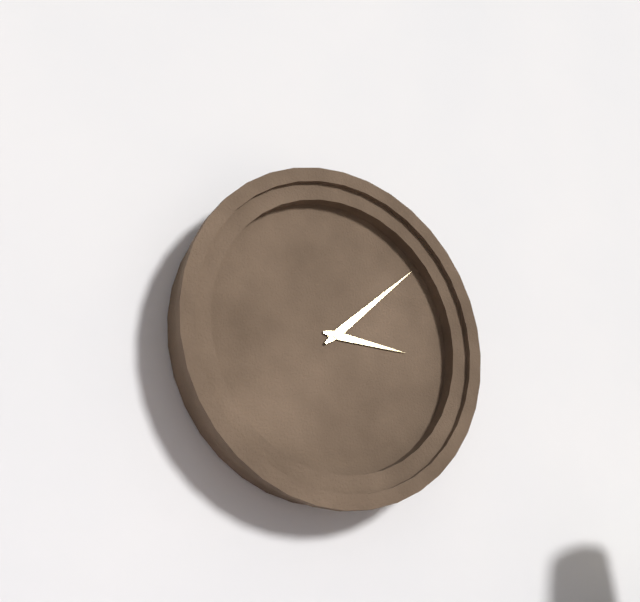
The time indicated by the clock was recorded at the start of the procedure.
3:08
